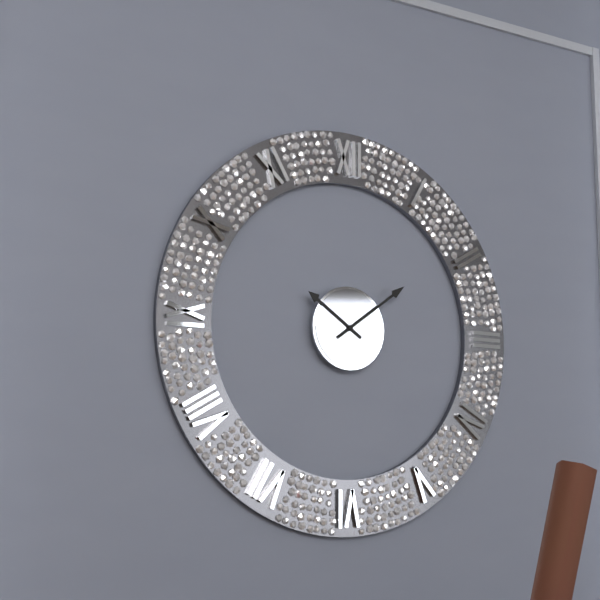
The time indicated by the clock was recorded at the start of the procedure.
10:09
